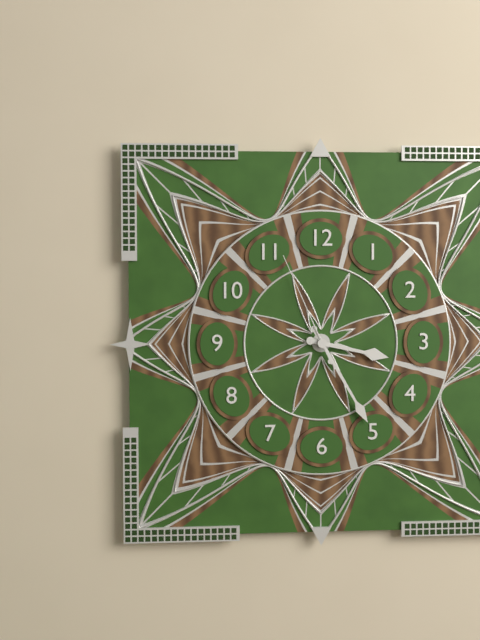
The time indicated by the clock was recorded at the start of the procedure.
3:25:56
